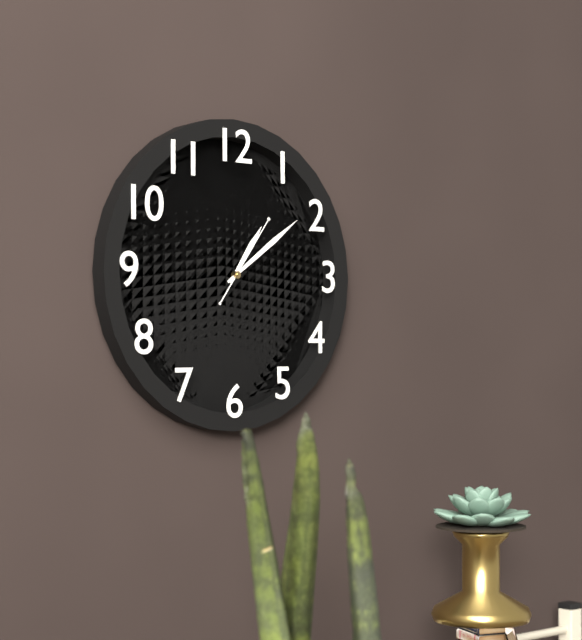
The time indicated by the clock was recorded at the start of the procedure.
1:09:06
